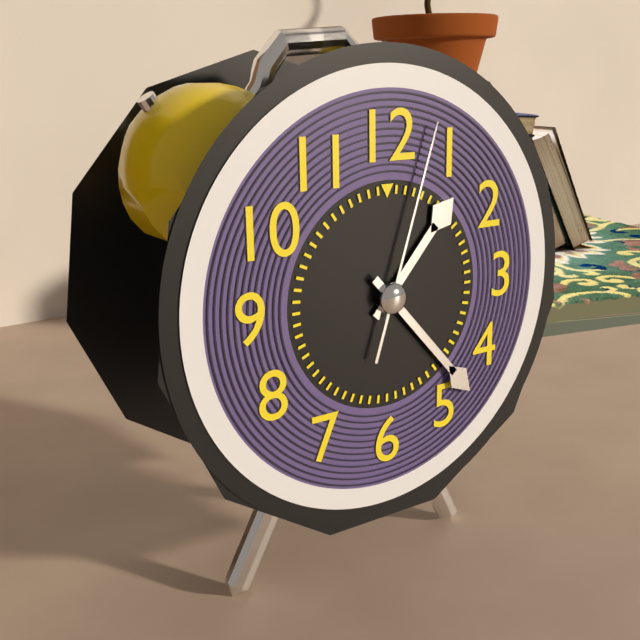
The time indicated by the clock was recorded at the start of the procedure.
1:23:03
